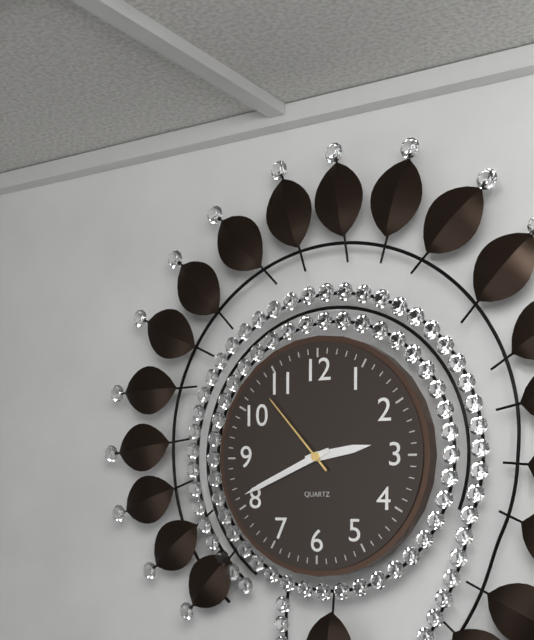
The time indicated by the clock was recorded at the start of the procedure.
2:41:53
